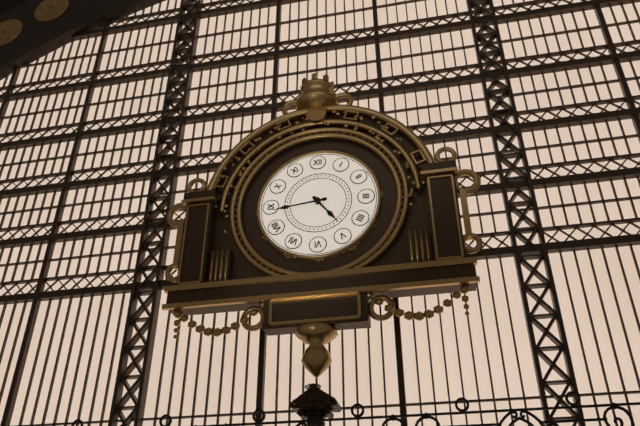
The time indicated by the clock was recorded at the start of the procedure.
4:44
